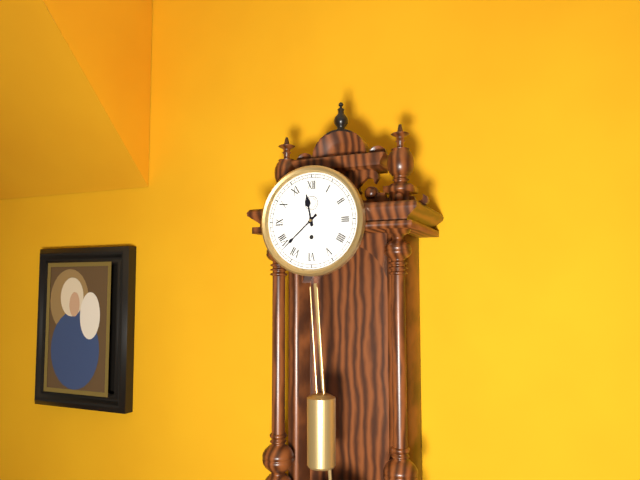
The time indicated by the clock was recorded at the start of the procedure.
11:38
